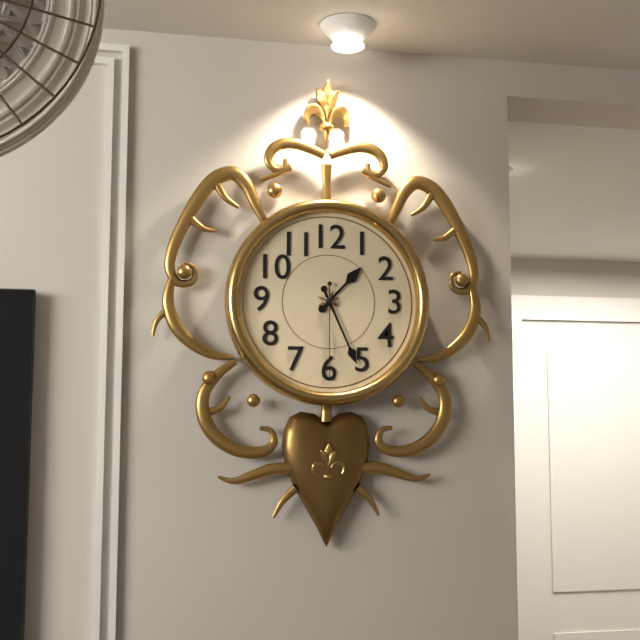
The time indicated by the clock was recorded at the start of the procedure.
1:26:30
